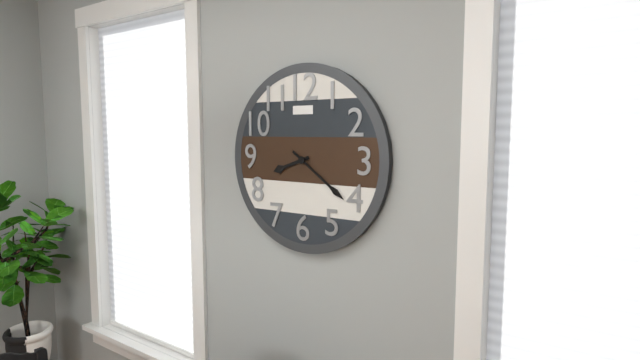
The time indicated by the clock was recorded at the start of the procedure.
8:21
